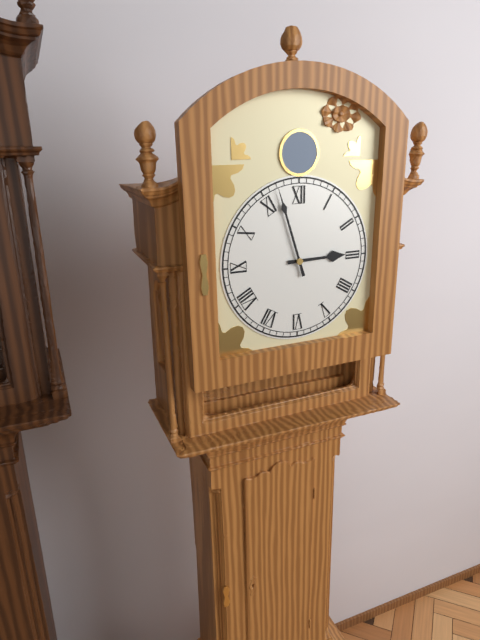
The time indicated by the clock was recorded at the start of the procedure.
2:57
